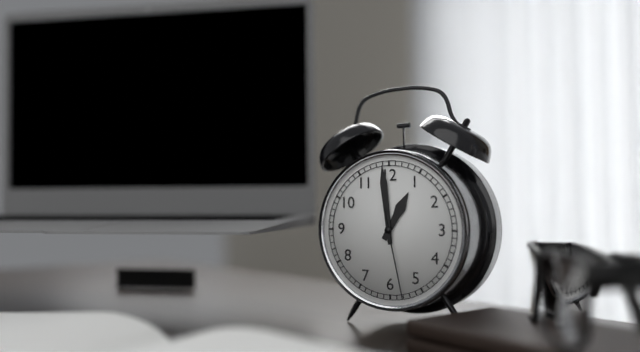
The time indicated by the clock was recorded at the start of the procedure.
12:59:28
